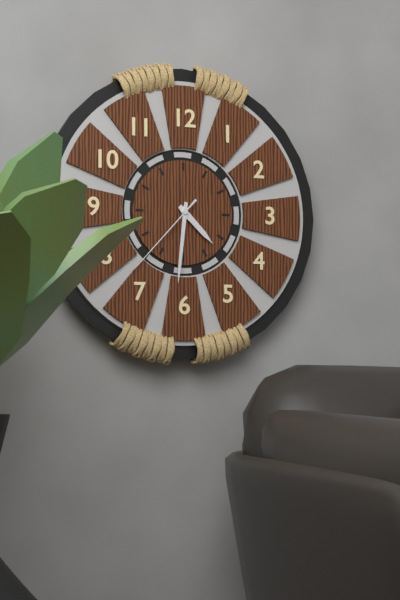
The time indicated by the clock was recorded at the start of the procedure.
4:31:37
